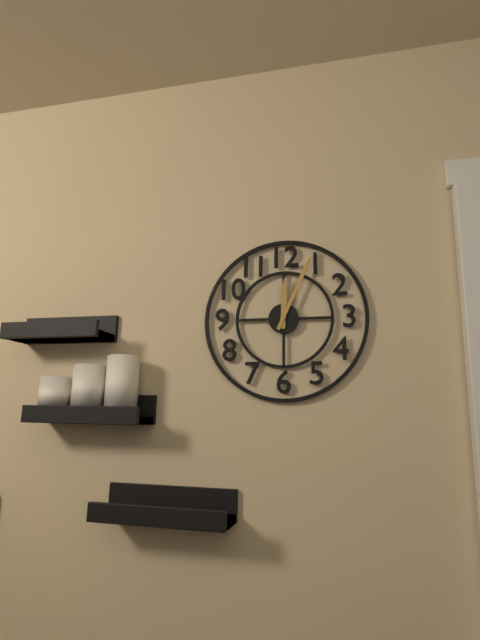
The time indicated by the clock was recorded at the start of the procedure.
12:04
